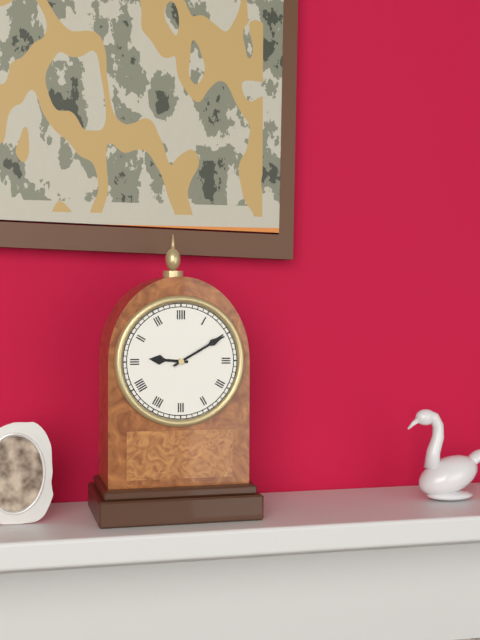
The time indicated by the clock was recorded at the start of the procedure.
9:10
